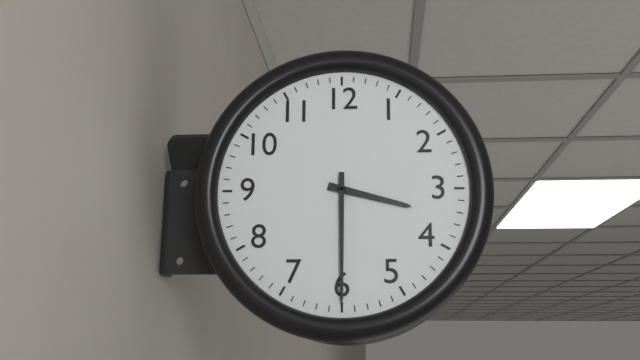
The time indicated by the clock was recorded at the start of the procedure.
3:30
